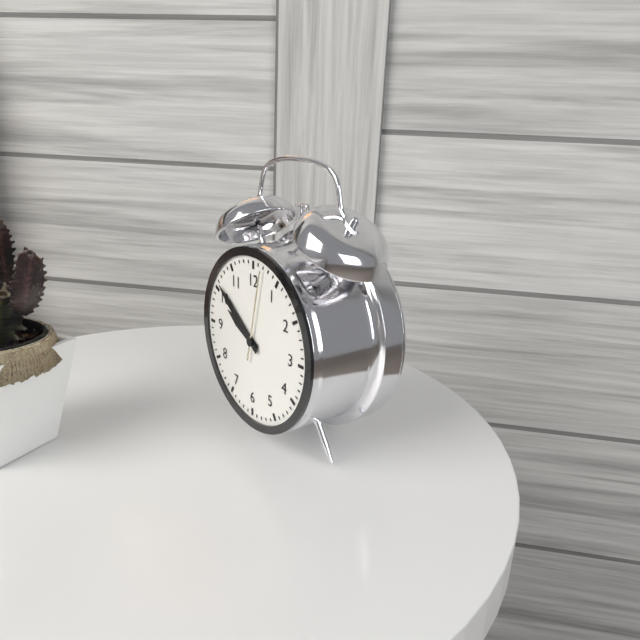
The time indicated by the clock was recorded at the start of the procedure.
9:51:02
